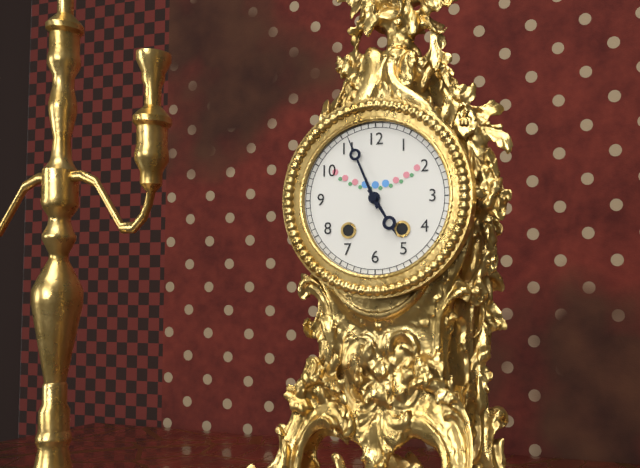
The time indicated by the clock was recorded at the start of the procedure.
4:56
